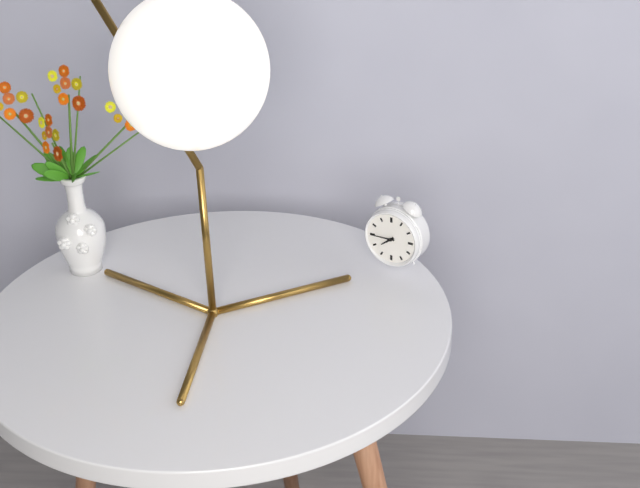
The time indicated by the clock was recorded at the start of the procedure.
7:45
